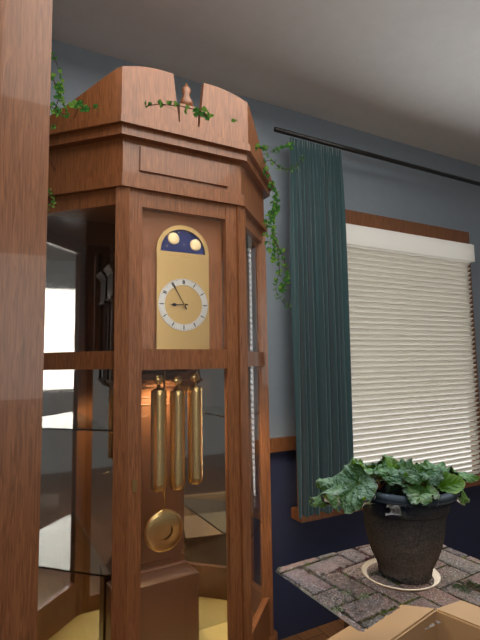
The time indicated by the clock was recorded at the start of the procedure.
8:55
